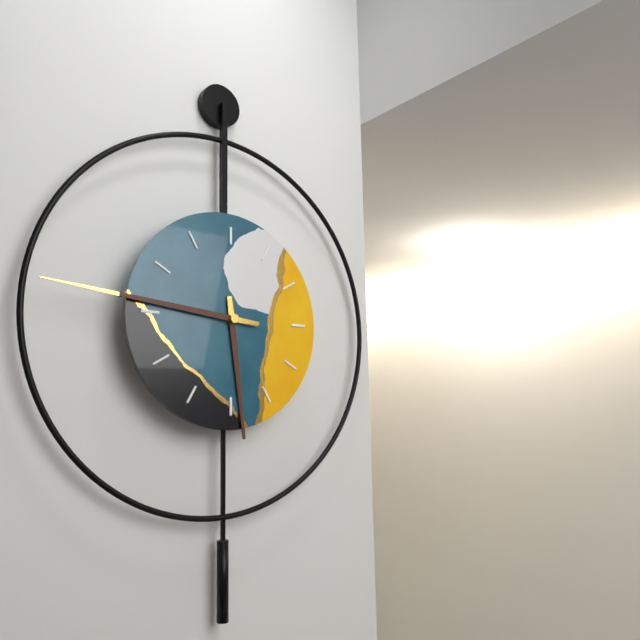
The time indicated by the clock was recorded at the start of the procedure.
5:46
